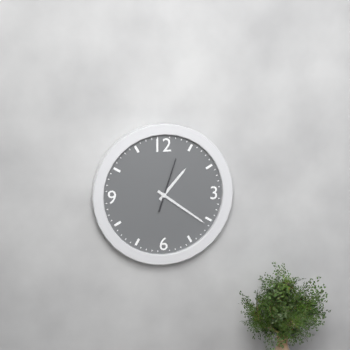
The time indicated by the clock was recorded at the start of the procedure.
1:21
